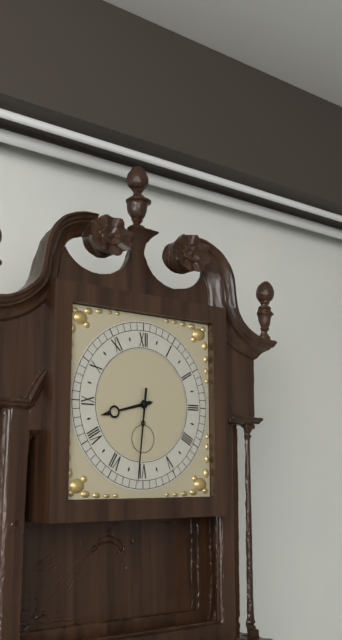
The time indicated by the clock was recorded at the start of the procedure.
8:31
